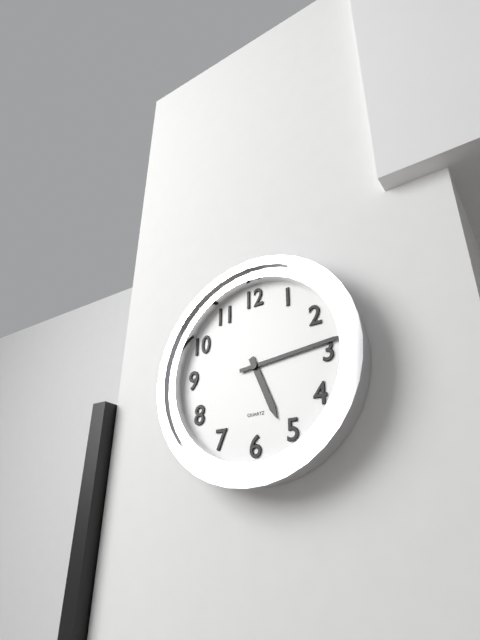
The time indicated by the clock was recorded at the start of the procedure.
5:14
